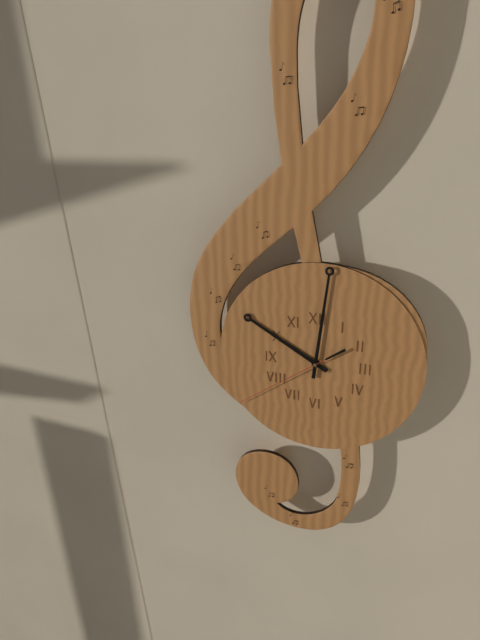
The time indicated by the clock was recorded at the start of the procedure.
10:01:39
